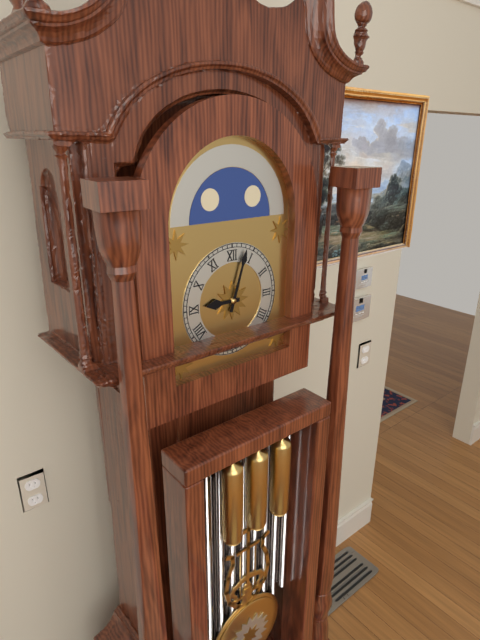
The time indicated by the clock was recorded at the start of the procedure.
9:03
